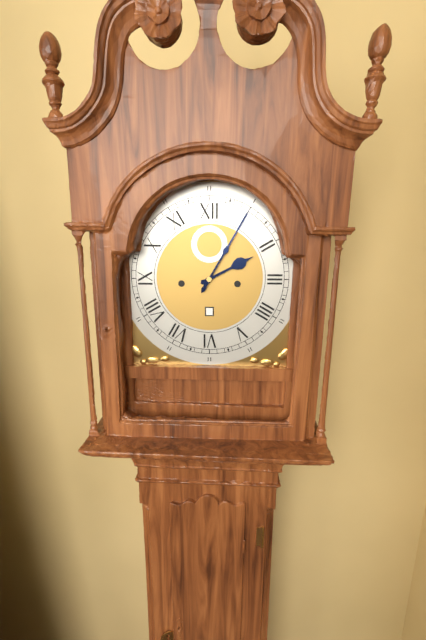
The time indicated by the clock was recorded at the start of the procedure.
2:05
